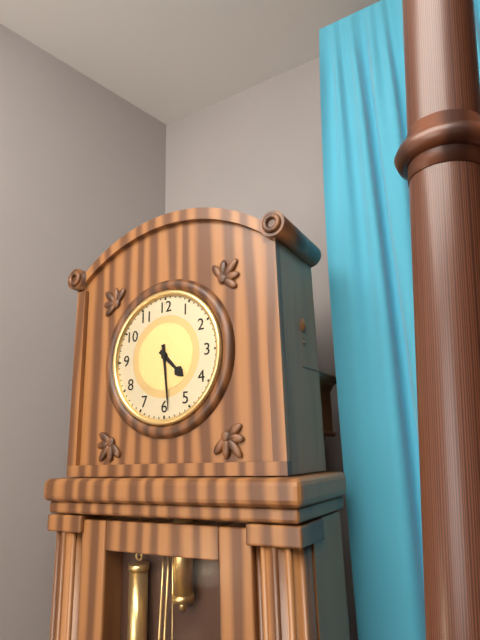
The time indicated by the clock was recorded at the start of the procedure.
4:29
